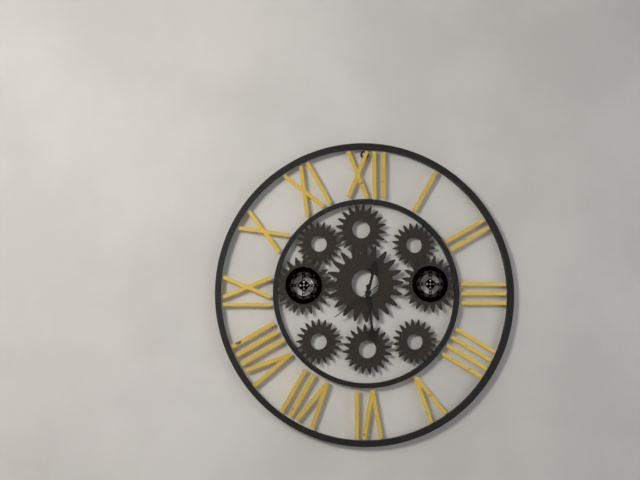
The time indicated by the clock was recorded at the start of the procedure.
12:29
